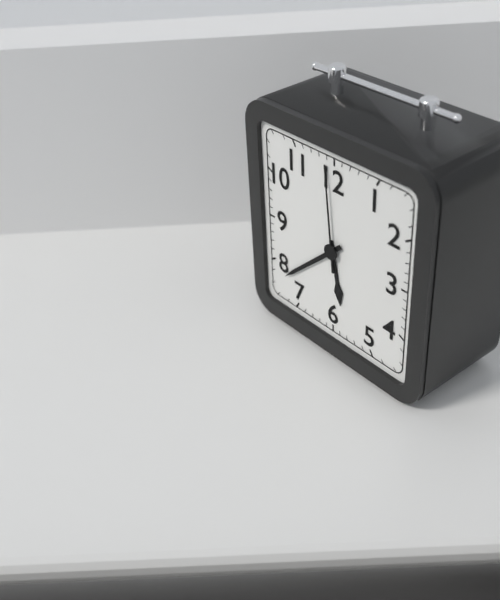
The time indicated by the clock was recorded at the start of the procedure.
5:38:59
